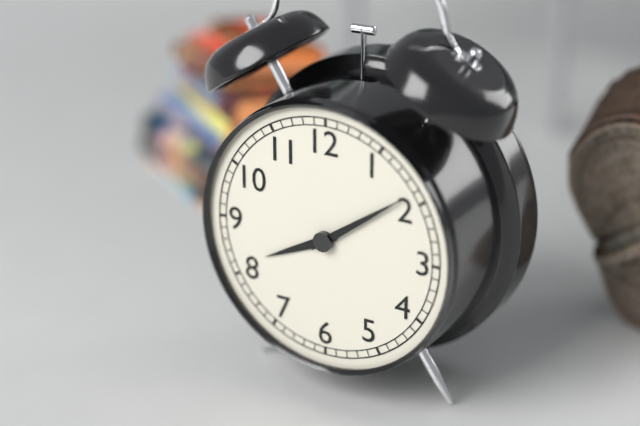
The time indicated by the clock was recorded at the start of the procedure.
8:09
